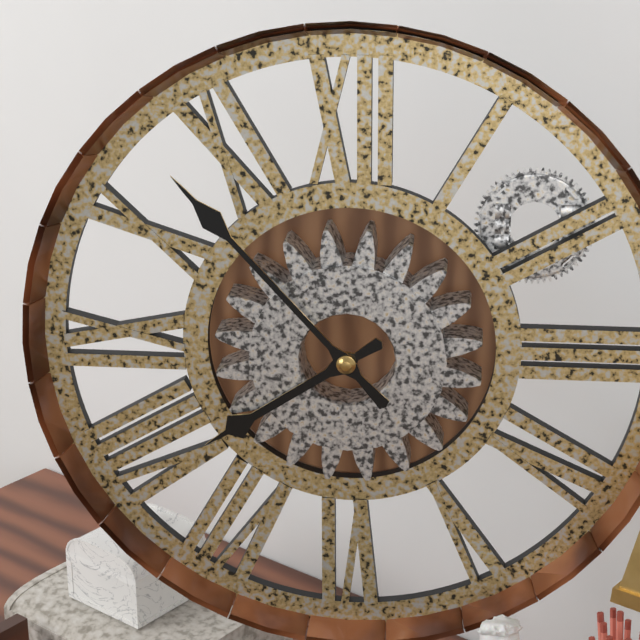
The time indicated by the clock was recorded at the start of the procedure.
7:53
